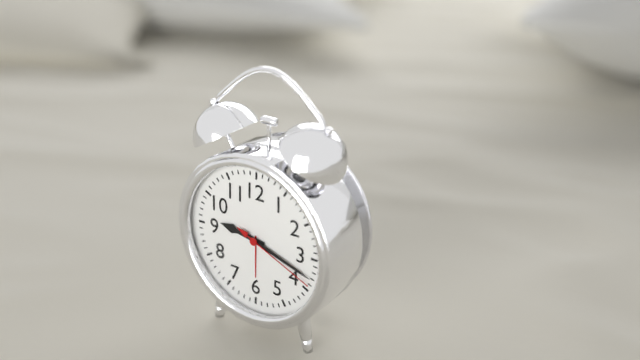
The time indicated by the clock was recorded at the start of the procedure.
9:18:19
